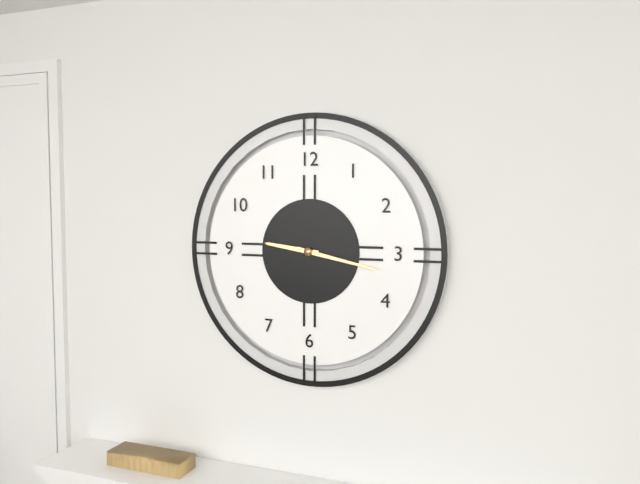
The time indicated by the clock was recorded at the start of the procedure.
9:17
